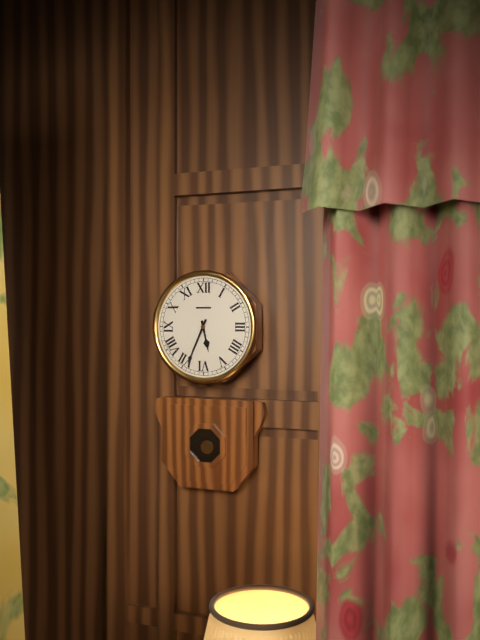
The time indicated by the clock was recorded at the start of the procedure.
5:34
